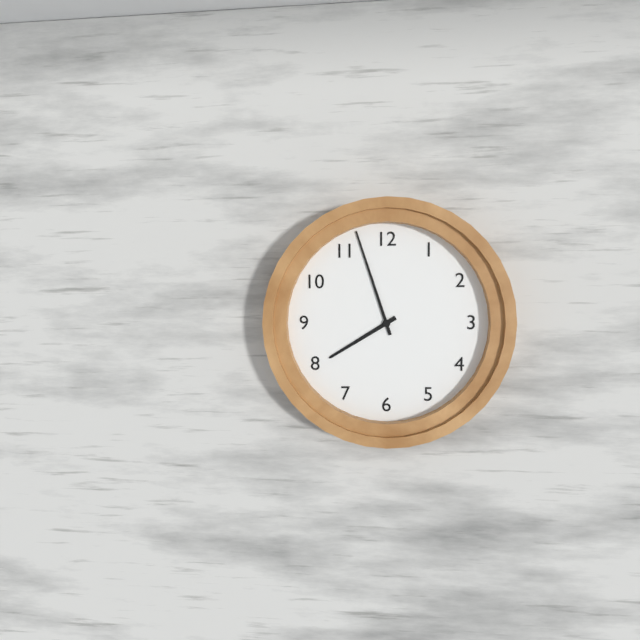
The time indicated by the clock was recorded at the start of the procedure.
7:57
